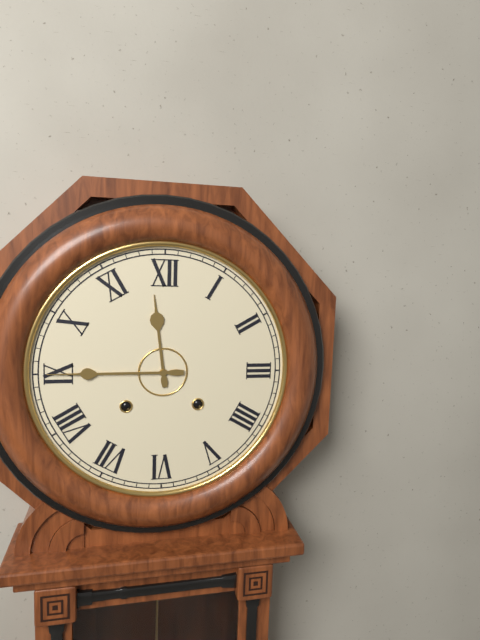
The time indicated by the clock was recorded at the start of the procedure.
11:45
